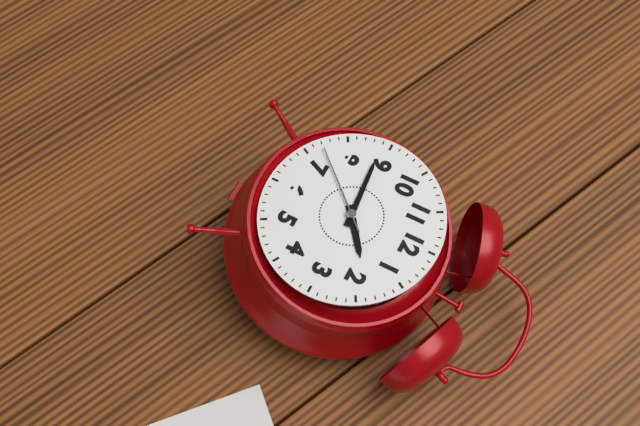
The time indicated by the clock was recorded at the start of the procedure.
1:44:37
